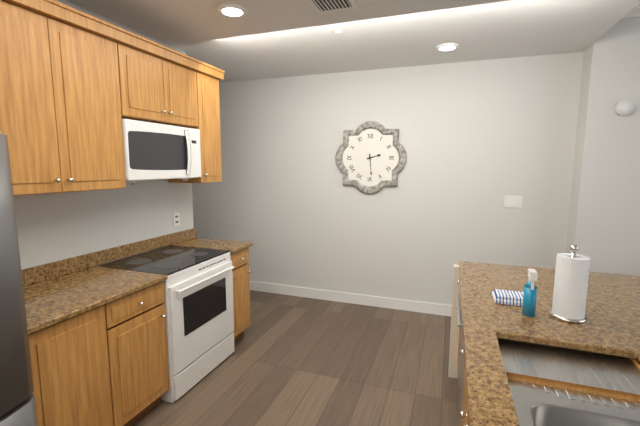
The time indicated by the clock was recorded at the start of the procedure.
2:29
